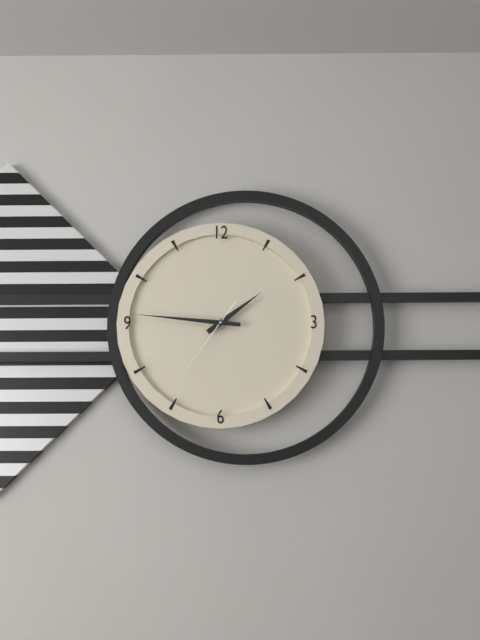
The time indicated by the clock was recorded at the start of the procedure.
1:46:36
